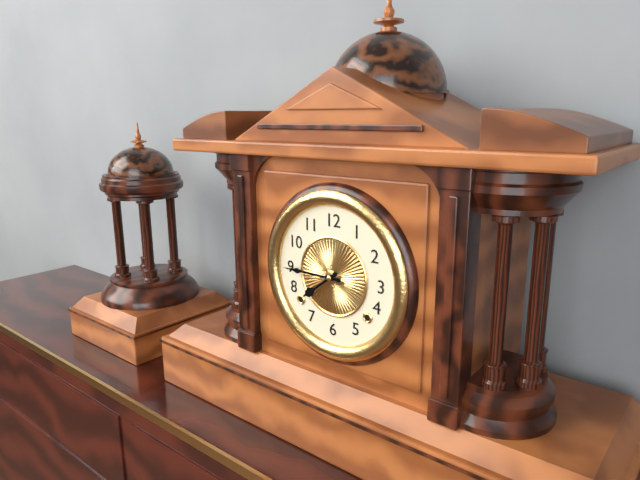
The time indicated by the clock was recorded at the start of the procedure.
7:45
